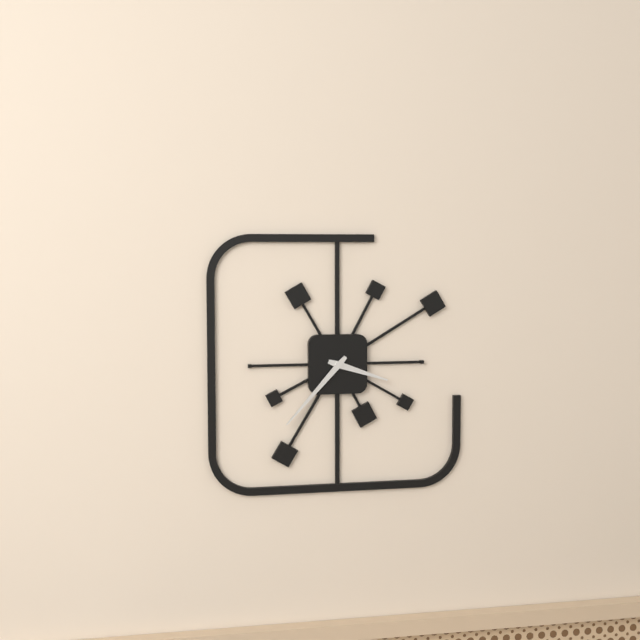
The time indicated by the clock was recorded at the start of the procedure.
3:37
